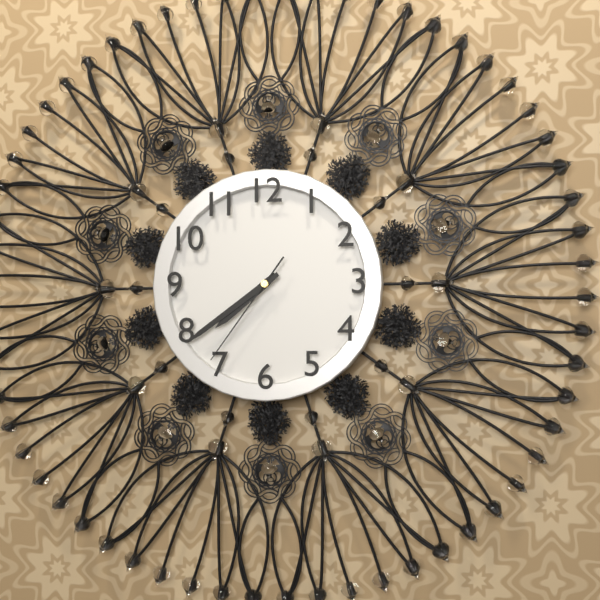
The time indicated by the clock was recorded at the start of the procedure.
7:39:36
